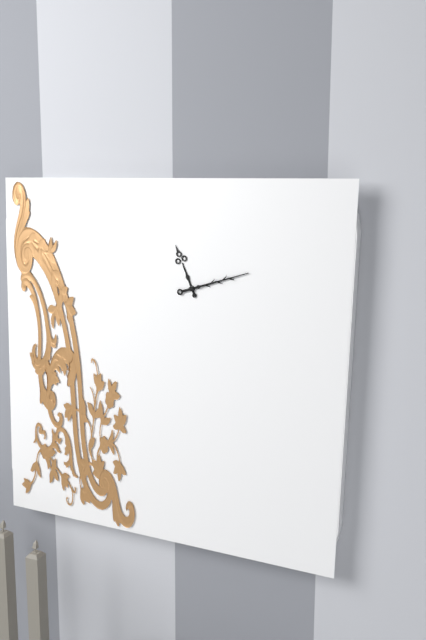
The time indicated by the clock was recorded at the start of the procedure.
11:12
